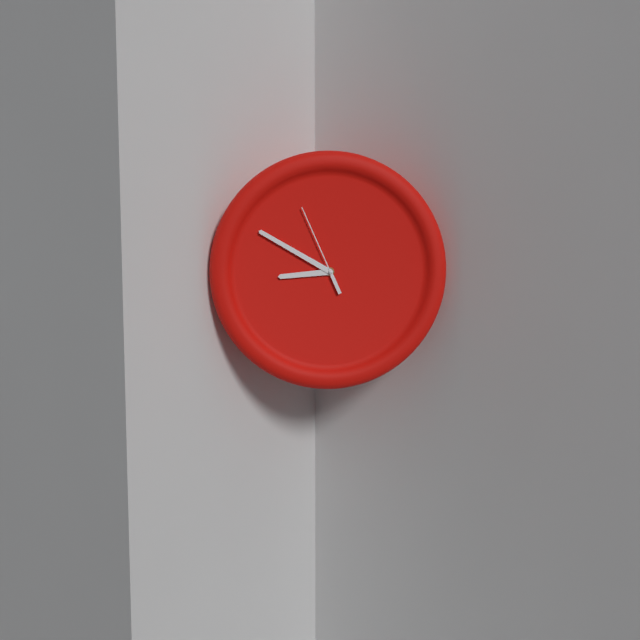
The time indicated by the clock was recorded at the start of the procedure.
8:50:56
